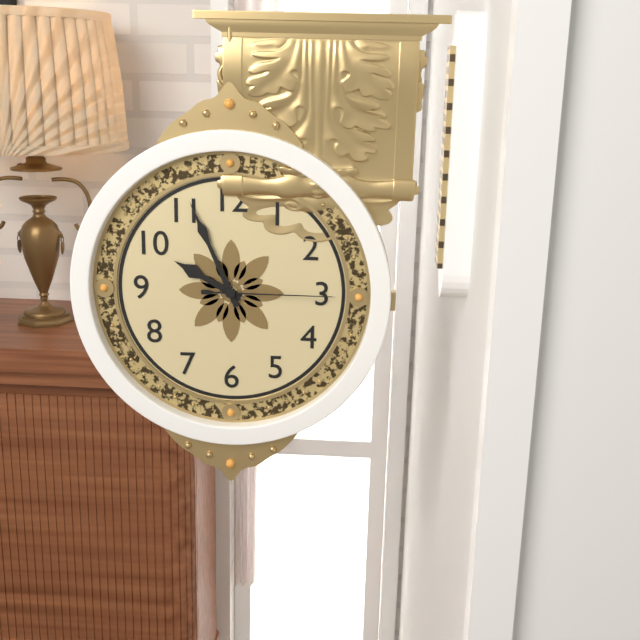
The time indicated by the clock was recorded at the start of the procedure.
9:56:15
